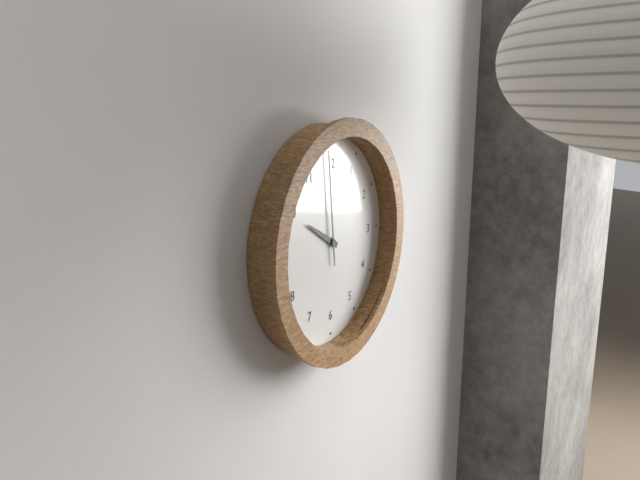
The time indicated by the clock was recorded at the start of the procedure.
9:59
